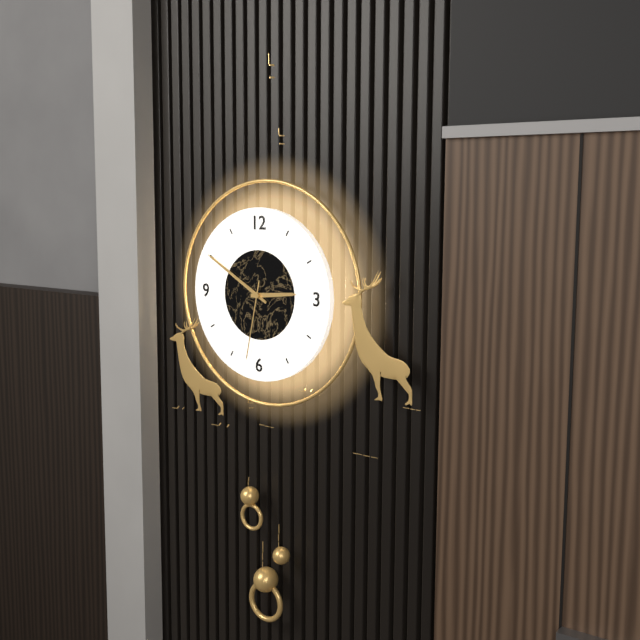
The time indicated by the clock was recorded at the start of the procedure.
2:50:32
